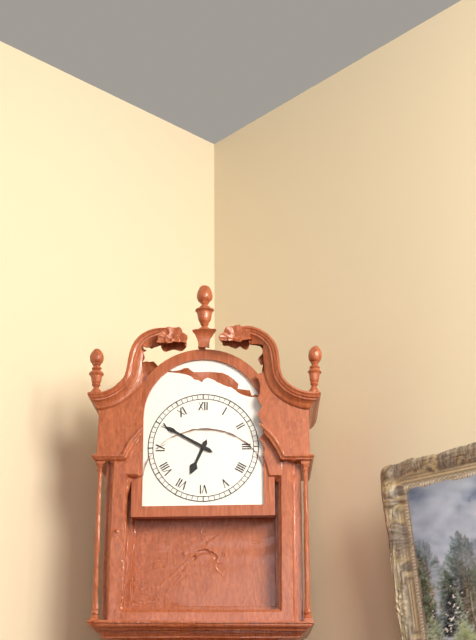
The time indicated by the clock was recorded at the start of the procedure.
6:50
